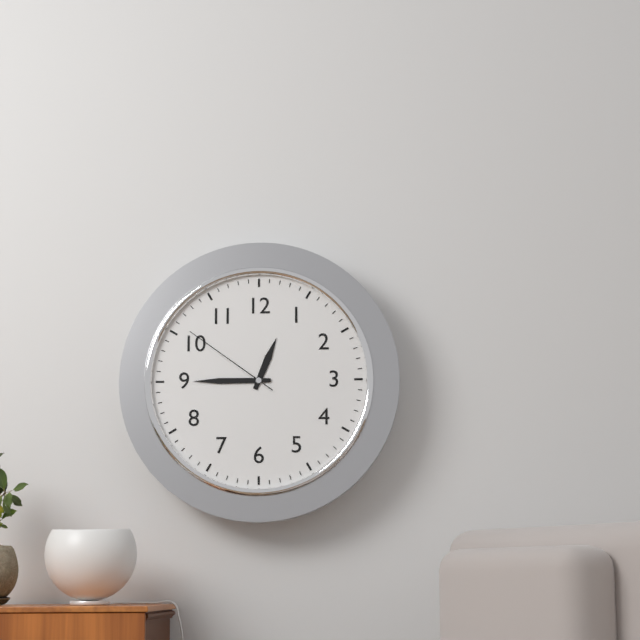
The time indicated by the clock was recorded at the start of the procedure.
12:45:51
